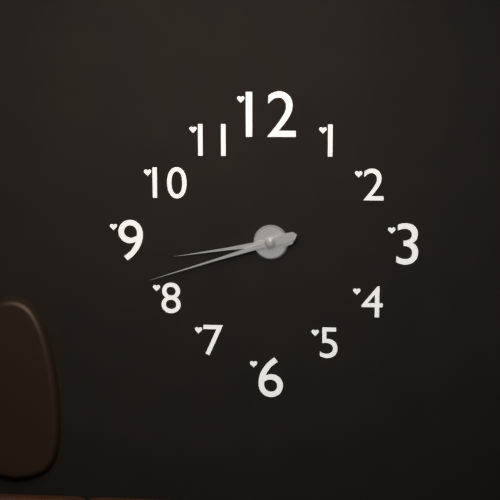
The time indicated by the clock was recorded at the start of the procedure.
8:42
